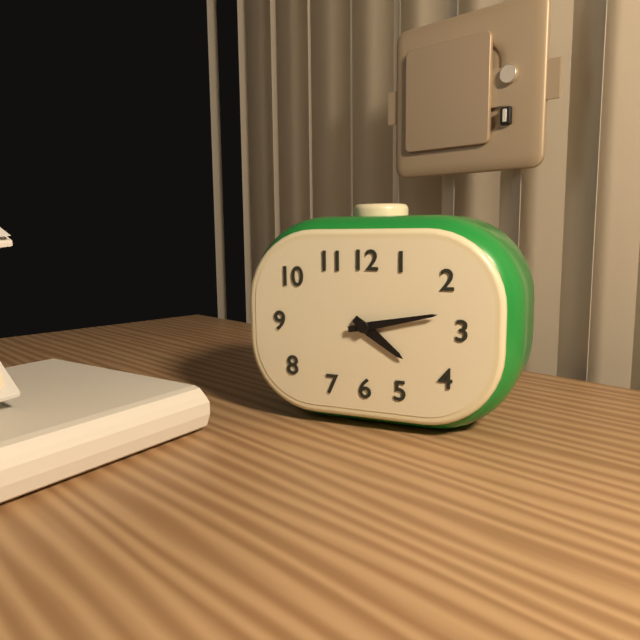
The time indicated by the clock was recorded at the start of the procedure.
4:13
